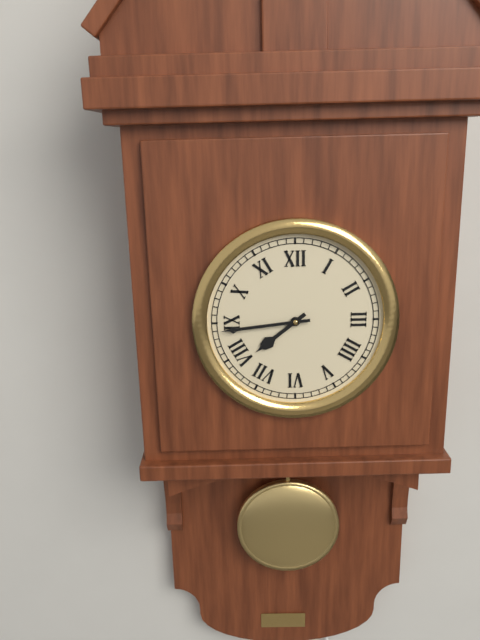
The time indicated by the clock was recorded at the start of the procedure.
7:44
